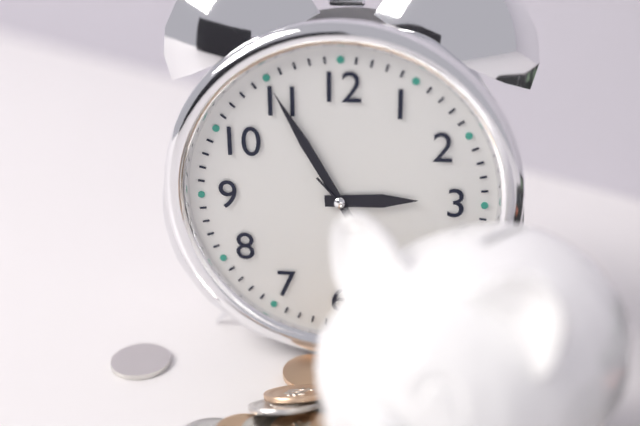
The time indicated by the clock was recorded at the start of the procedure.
2:55
